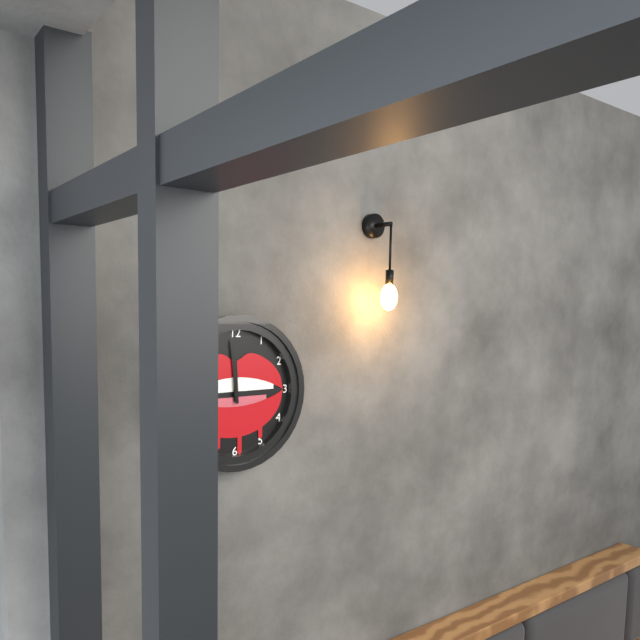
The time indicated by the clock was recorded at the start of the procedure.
11:59
